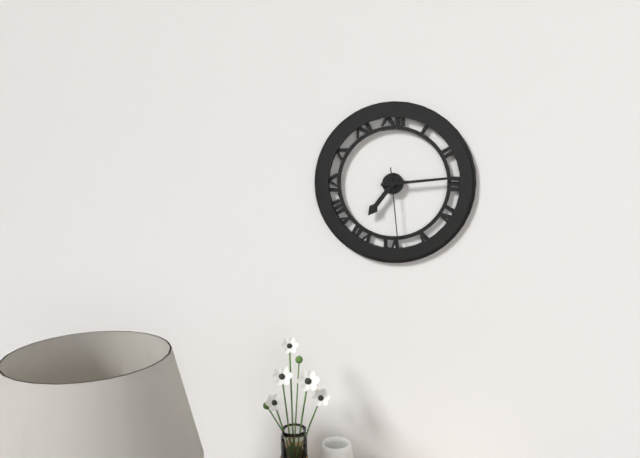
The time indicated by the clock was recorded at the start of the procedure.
7:14:29
